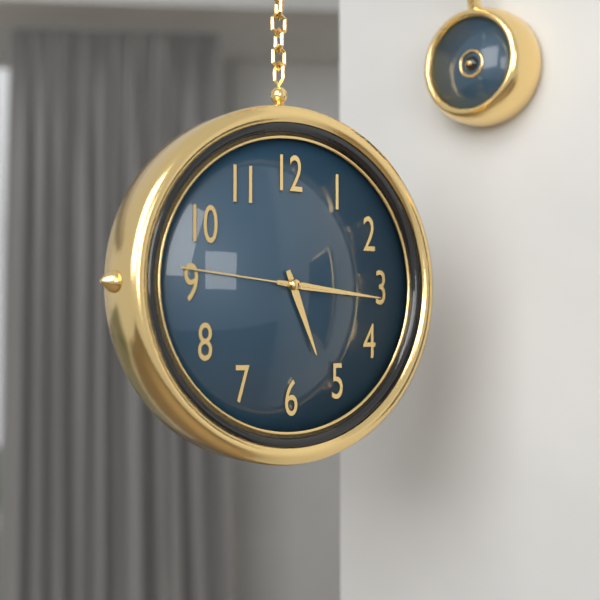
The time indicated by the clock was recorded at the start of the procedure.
5:16:46
